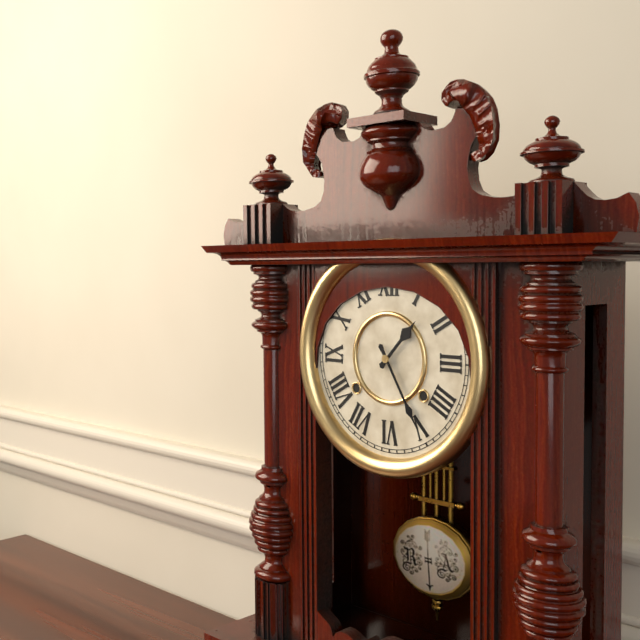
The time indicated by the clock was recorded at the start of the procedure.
1:25
